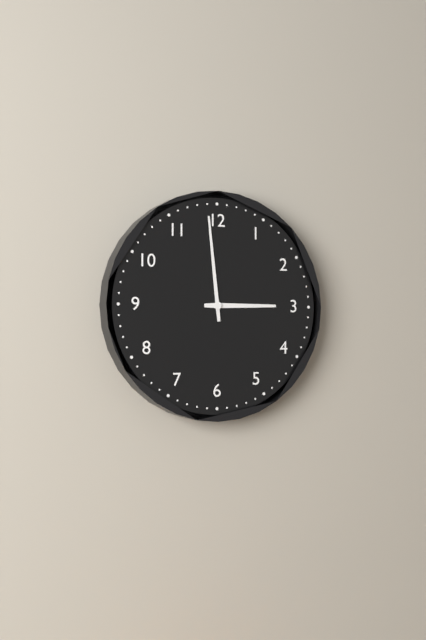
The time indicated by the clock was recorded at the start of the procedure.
2:59
